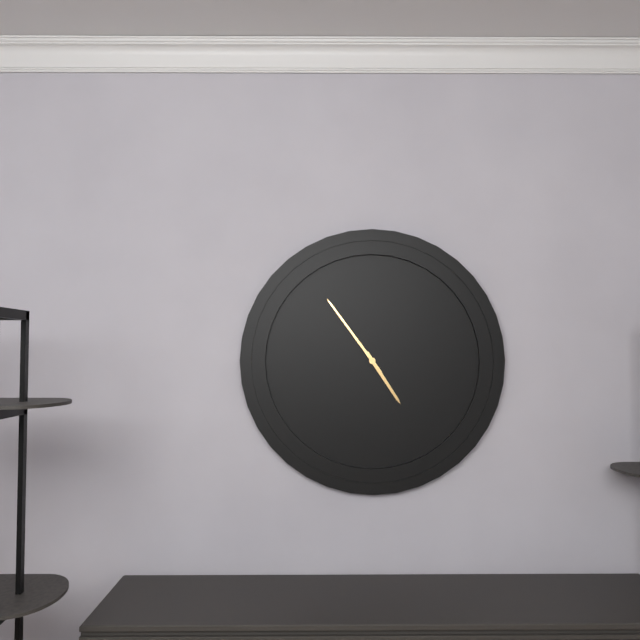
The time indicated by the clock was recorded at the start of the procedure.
4:54
